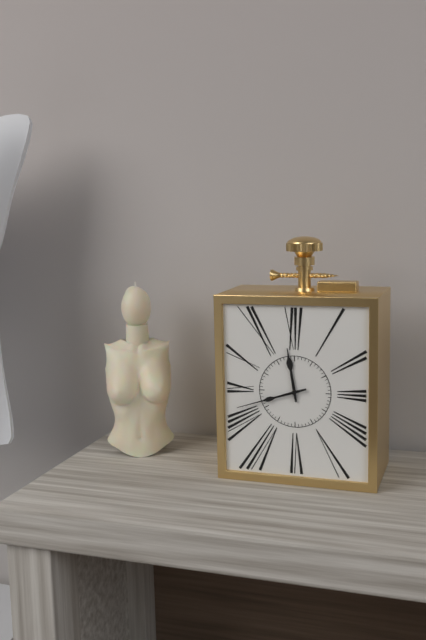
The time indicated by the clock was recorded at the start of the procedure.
11:42
